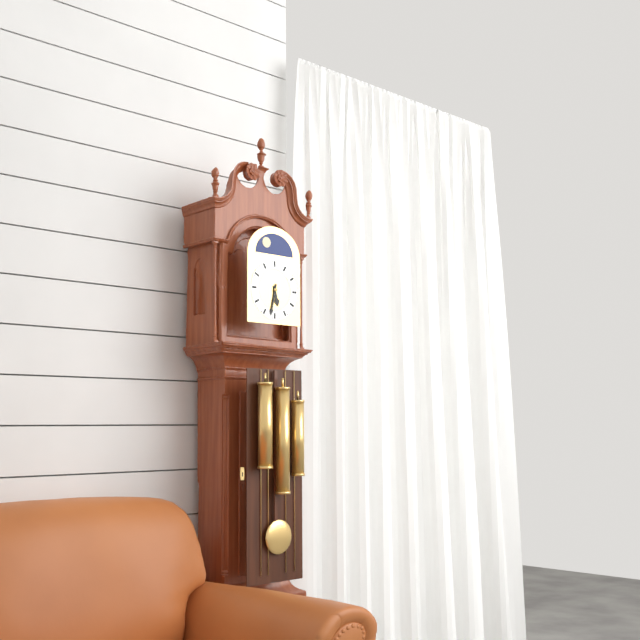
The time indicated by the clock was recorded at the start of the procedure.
5:32
